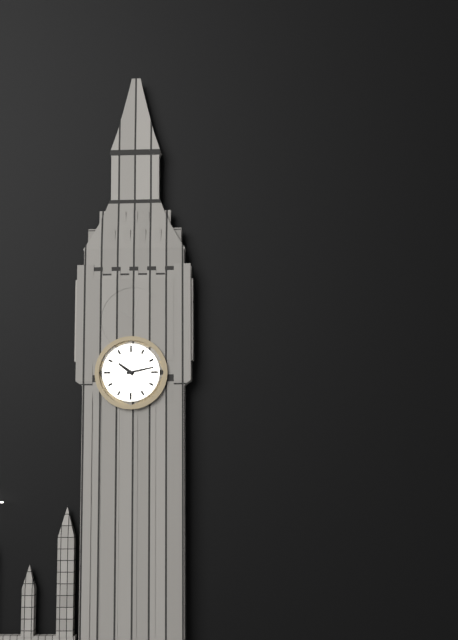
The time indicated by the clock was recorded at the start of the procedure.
10:13
